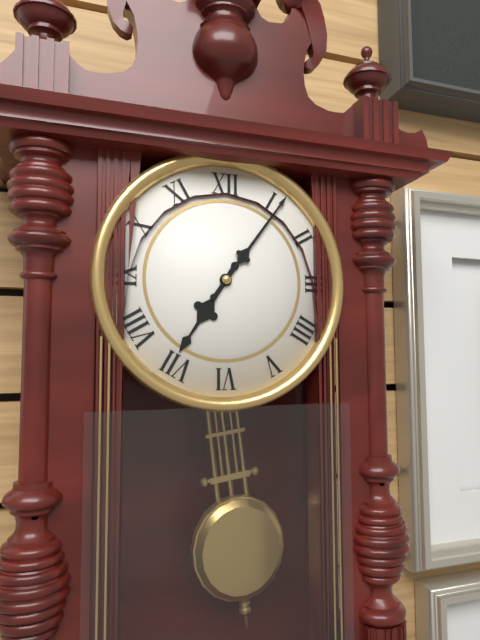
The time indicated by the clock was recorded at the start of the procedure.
7:06
